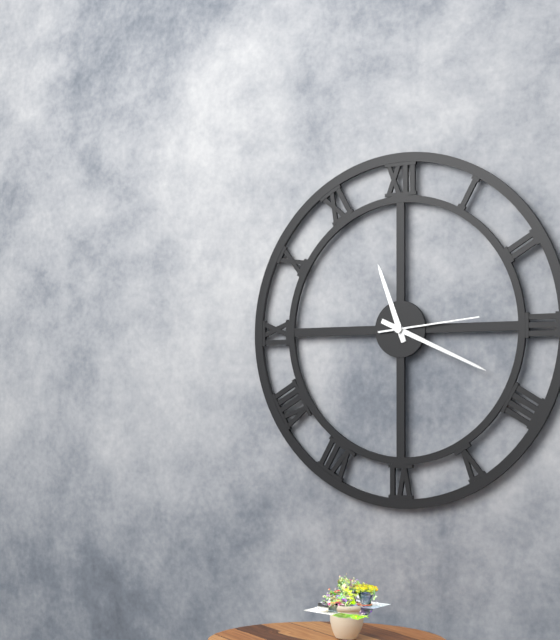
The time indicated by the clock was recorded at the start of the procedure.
11:19:14
